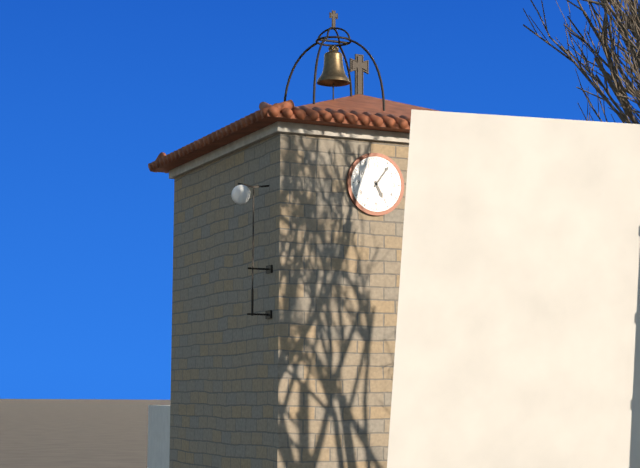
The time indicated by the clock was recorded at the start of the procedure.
5:06
